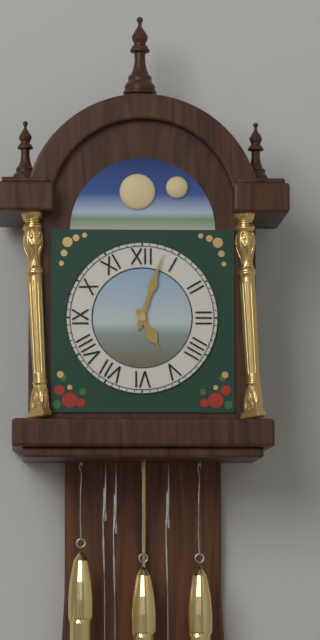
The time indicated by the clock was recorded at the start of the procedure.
5:03
